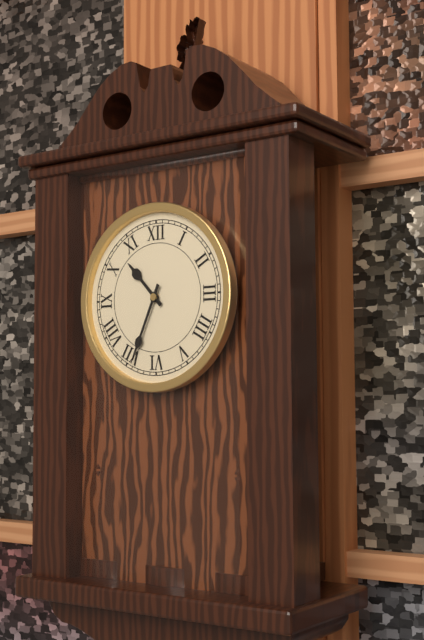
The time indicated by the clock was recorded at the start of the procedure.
10:34
